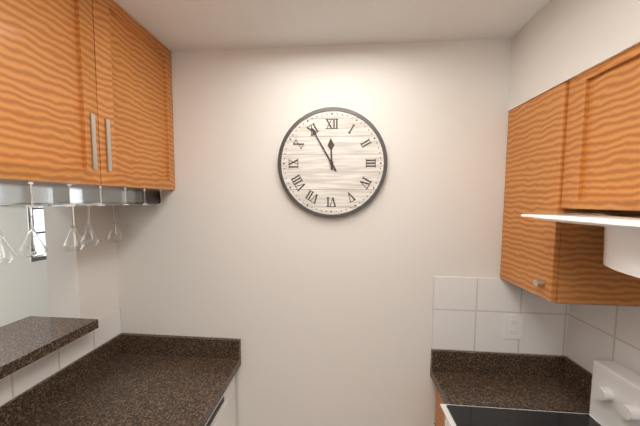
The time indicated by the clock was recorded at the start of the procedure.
11:55
